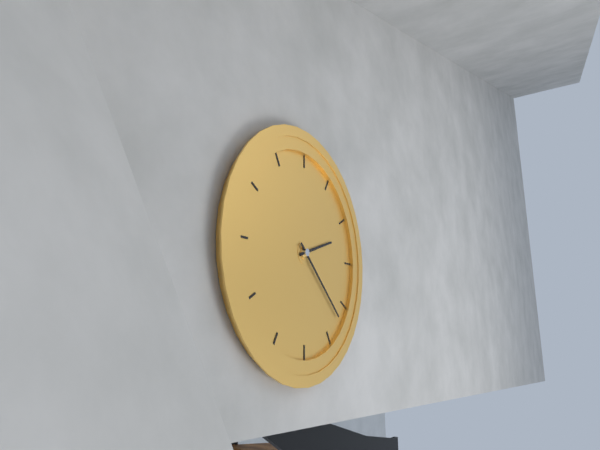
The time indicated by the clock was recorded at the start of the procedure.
2:22
